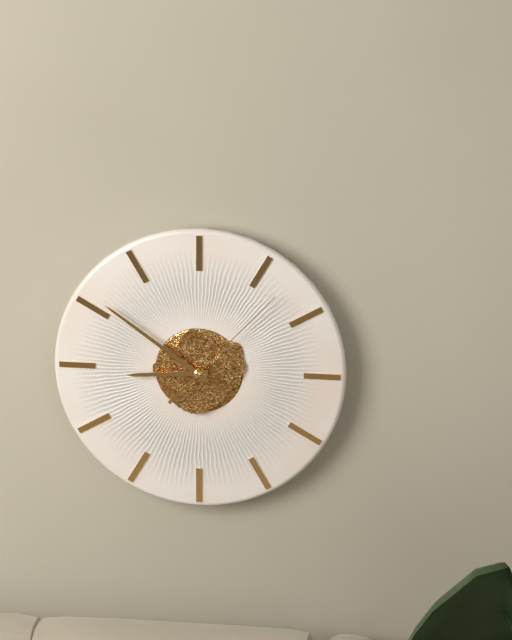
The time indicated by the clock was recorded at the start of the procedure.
8:51:07
